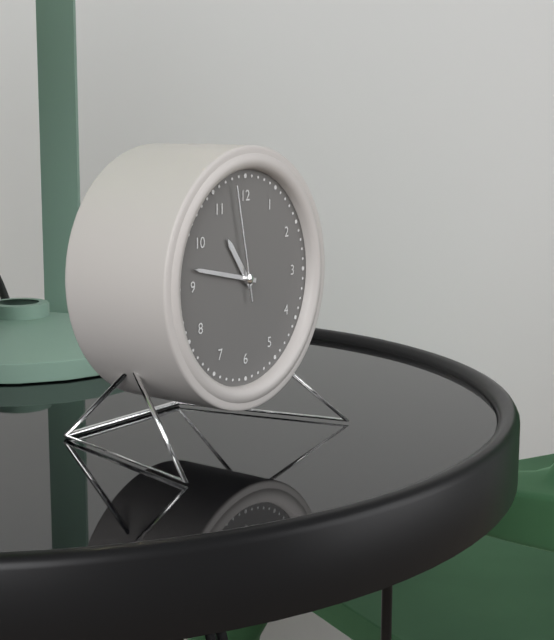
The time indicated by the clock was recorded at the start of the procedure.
10:47:58
